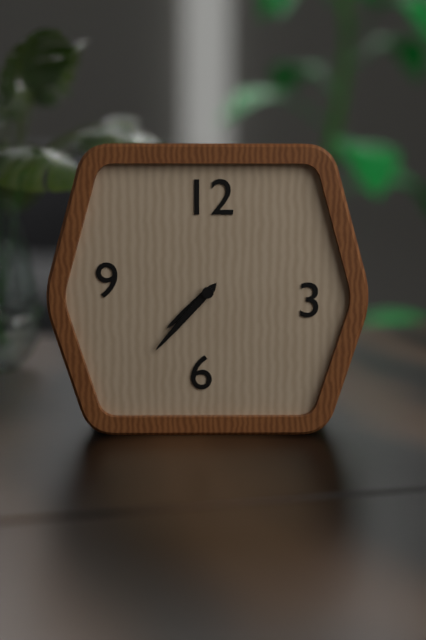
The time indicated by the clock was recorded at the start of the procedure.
7:37
